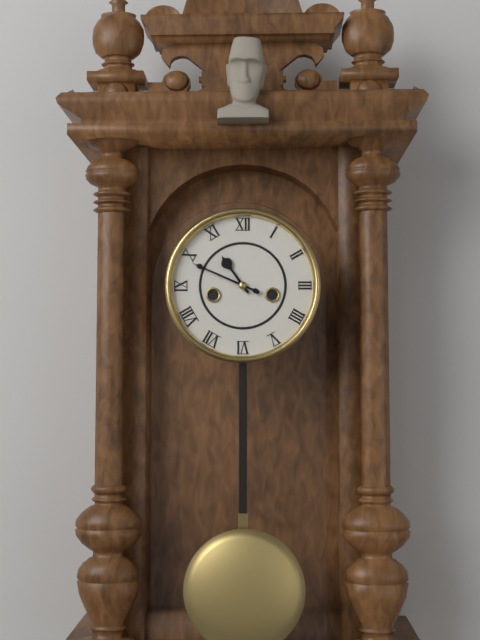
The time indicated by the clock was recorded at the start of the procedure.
10:49
